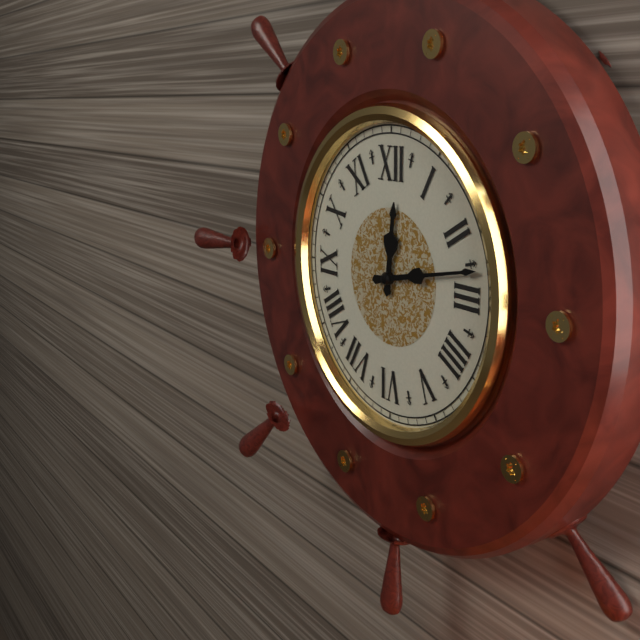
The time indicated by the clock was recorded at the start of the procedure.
12:13
